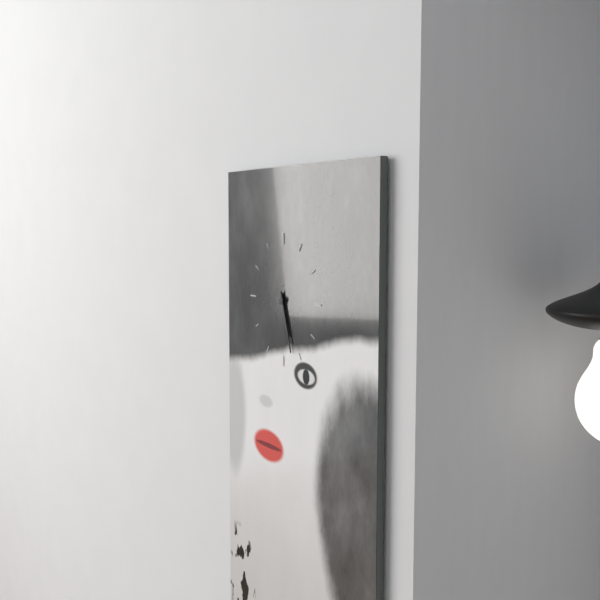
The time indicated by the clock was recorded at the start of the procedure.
5:27
